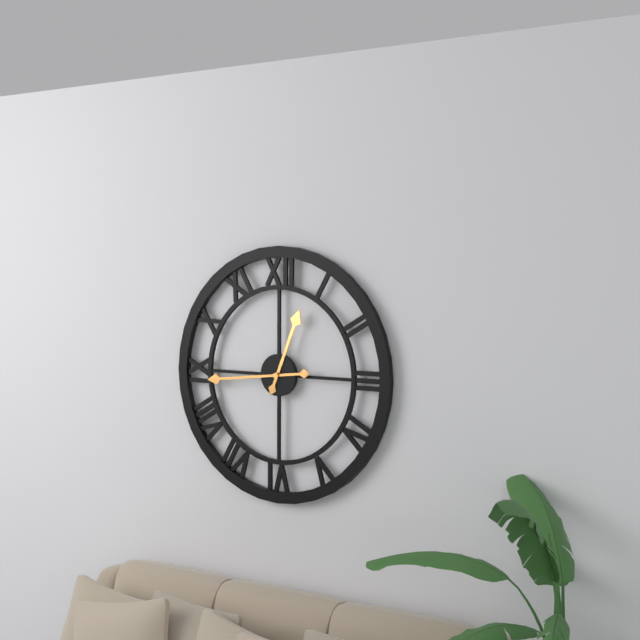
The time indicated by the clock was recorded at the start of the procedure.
12:44
